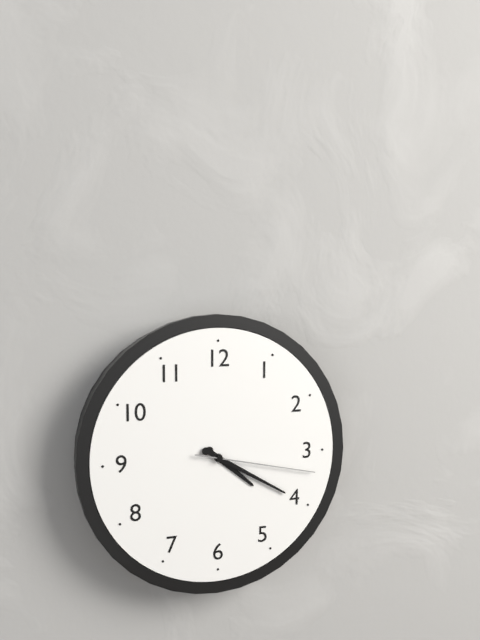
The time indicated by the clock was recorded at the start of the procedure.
4:20:17
